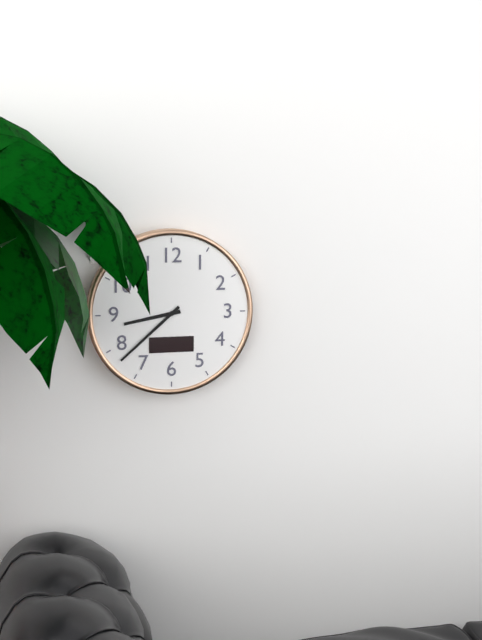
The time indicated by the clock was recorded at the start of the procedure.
8:38
